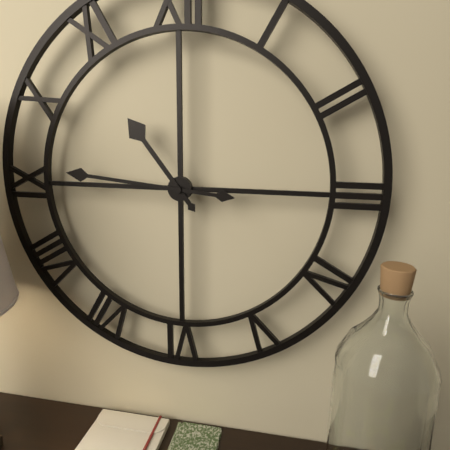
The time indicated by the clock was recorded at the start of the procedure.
10:46
